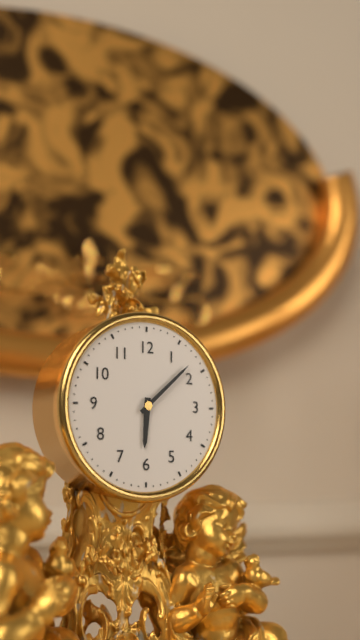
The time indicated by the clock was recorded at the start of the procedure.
6:08
